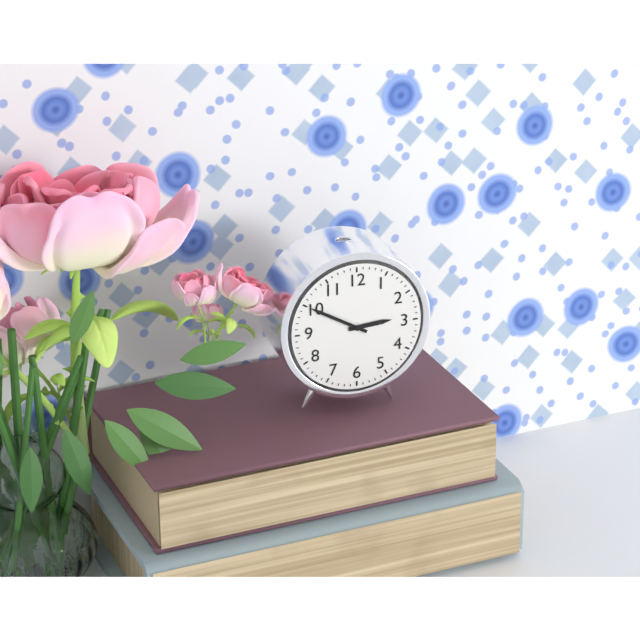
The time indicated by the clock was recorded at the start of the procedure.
2:50
